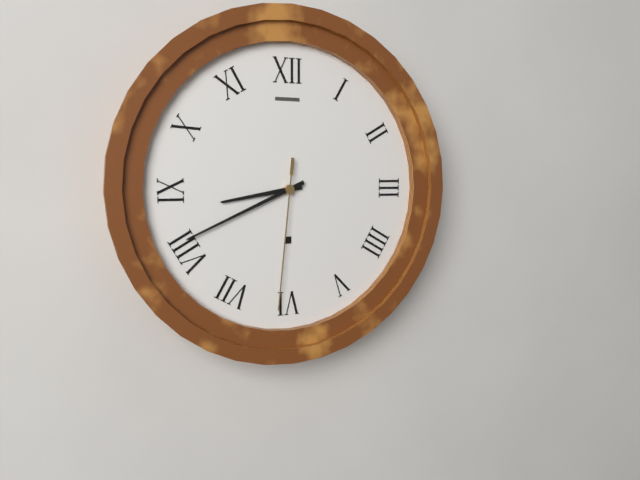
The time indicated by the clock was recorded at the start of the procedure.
8:41:31
